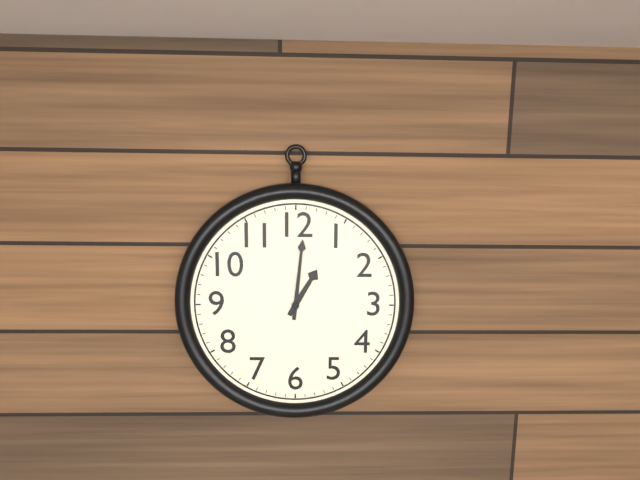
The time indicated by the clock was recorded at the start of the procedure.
1:01
